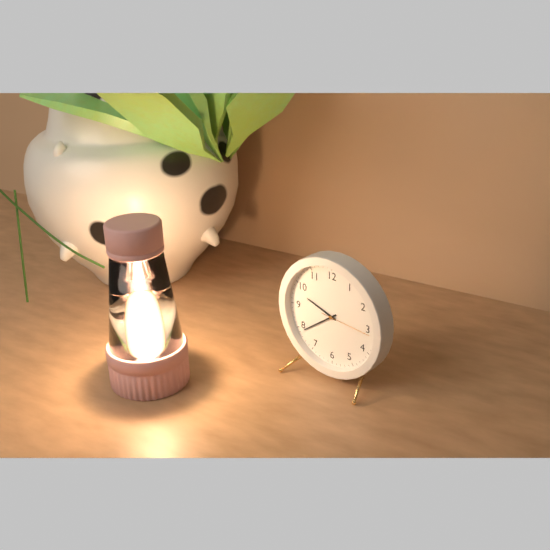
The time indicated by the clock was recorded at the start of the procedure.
9:39:16
